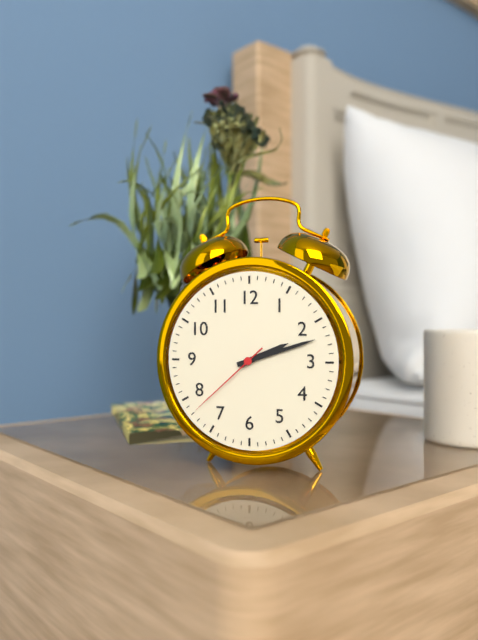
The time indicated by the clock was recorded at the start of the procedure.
2:12:38
